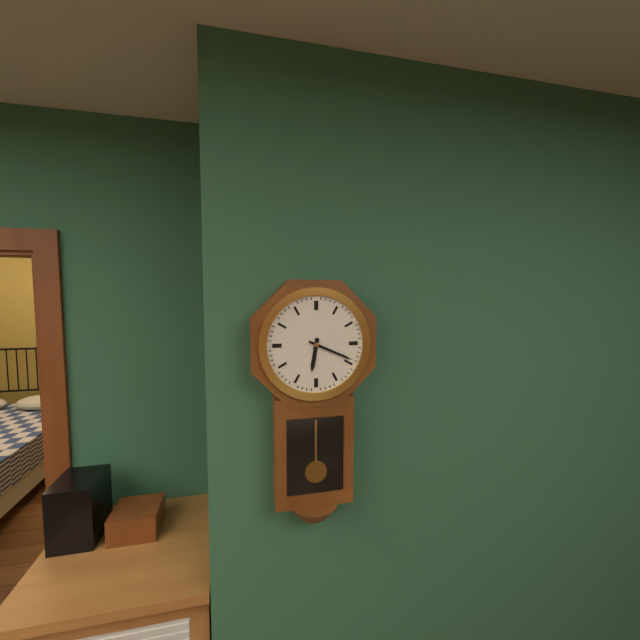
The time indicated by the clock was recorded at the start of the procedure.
6:19
